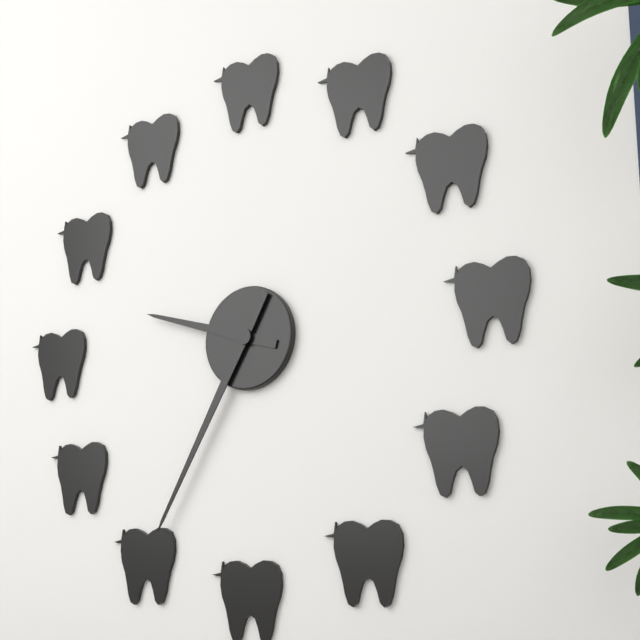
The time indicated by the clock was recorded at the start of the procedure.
9:35
